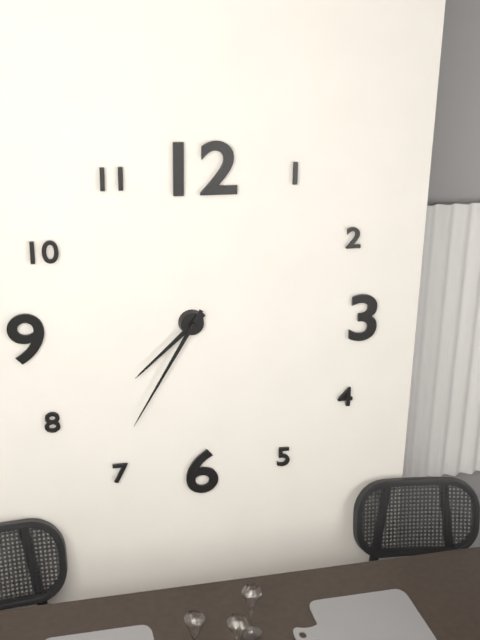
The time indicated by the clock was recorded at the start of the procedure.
7:35
